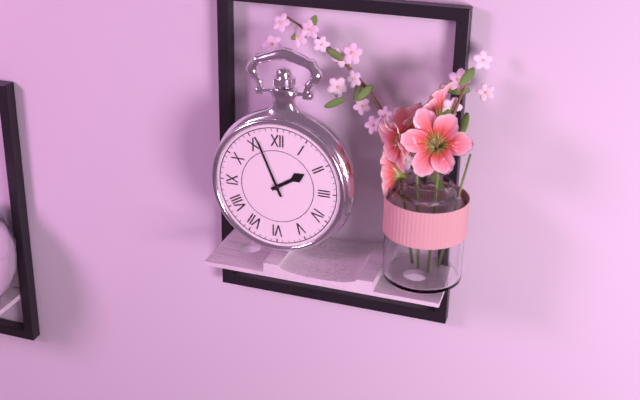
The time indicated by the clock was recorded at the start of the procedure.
1:56
